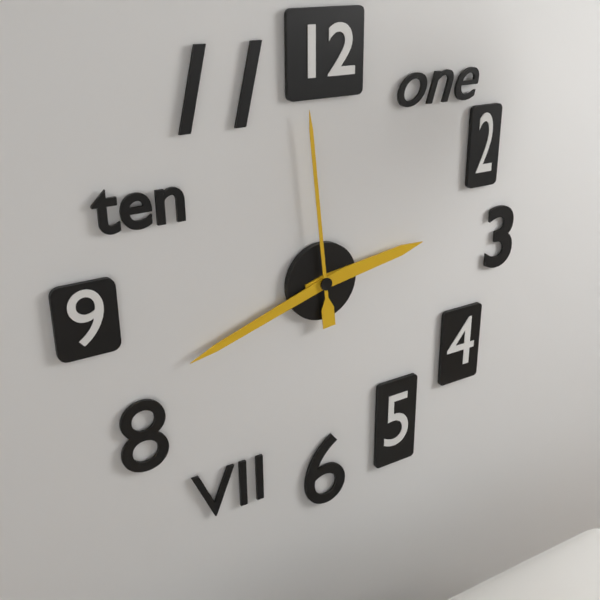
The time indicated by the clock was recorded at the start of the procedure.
2:42:59
